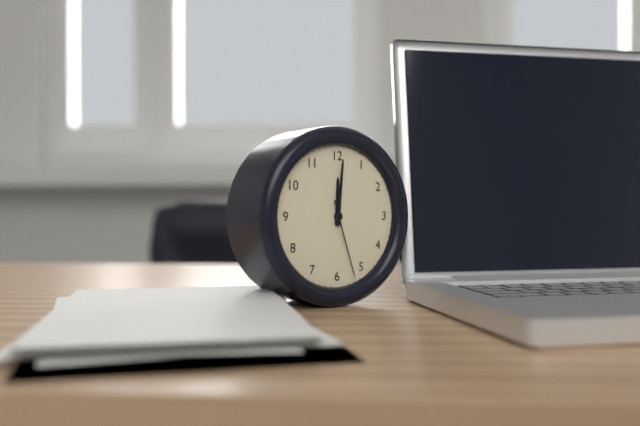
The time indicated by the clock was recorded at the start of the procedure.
12:01:27
